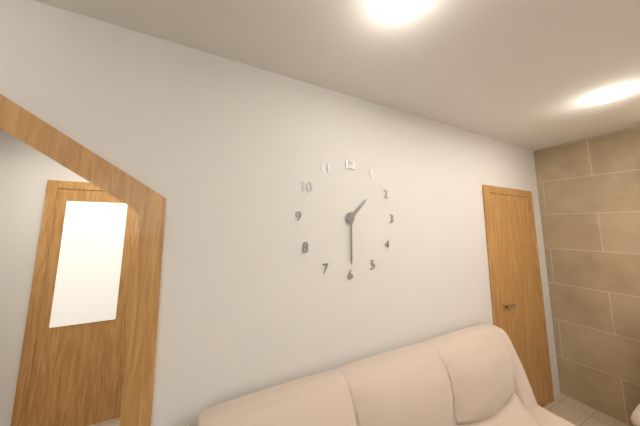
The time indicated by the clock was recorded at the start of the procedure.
1:30
